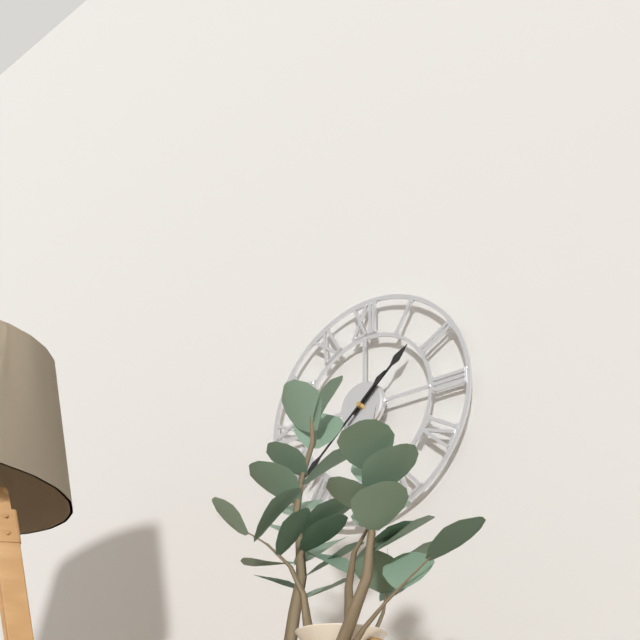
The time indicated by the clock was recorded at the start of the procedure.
1:38
